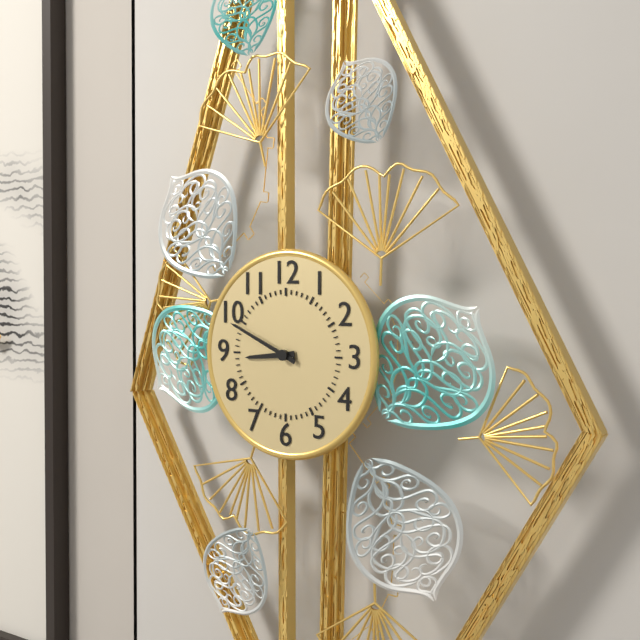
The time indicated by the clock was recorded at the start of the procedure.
8:49
